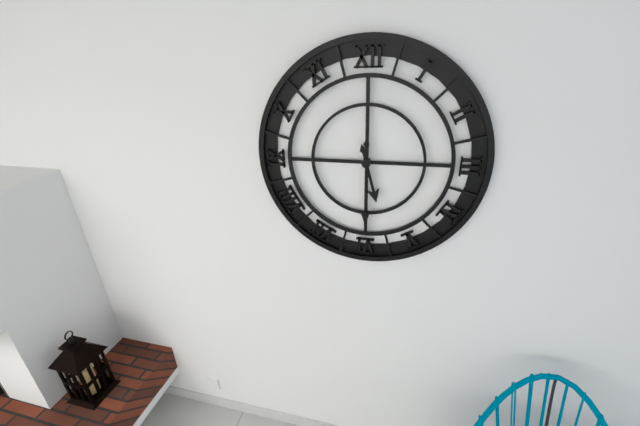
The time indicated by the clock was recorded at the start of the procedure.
5:30
